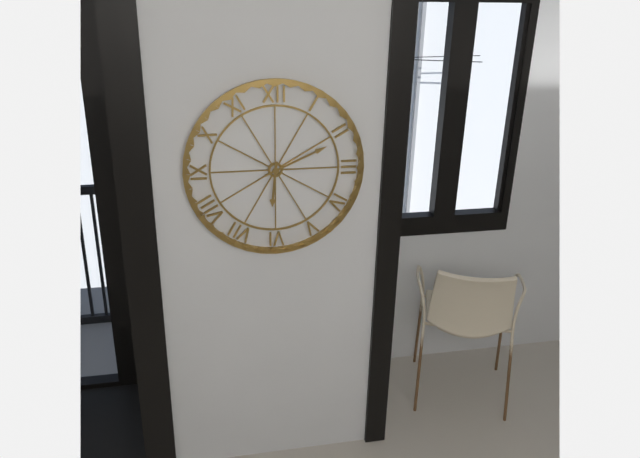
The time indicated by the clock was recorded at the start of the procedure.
6:11
